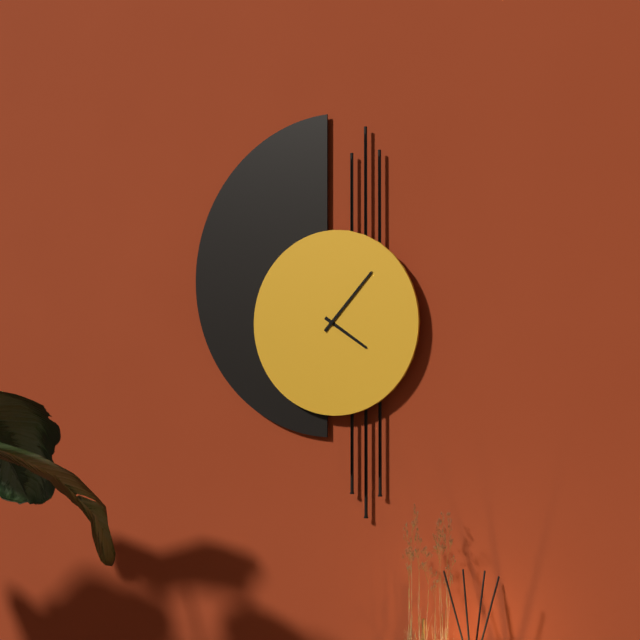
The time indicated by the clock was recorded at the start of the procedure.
4:07
